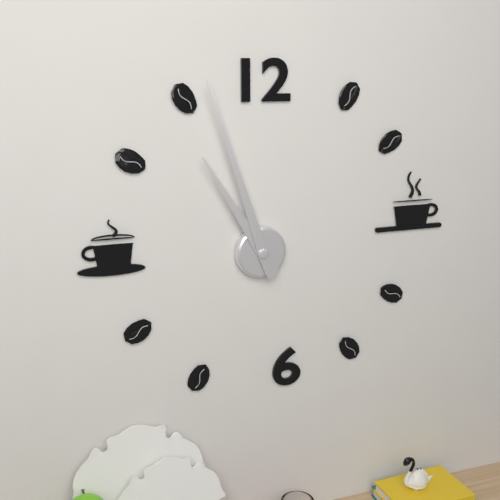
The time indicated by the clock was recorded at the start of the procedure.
10:57
